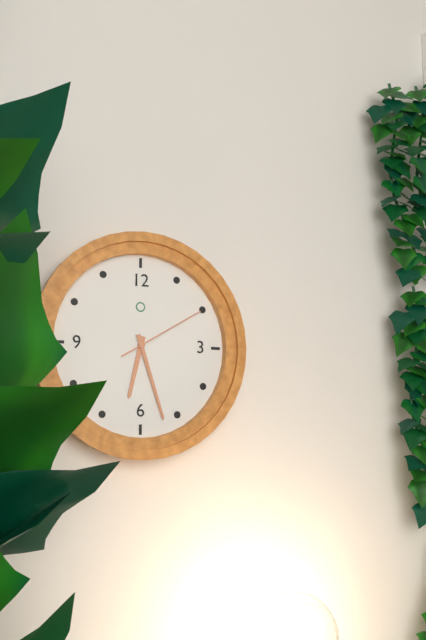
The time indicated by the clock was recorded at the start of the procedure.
6:27:10
